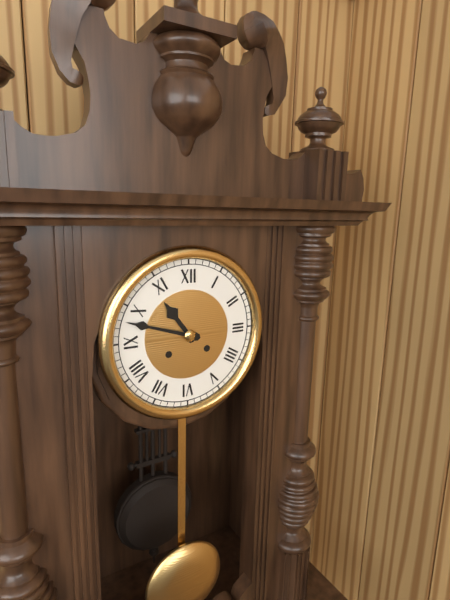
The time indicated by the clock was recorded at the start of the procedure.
10:48
